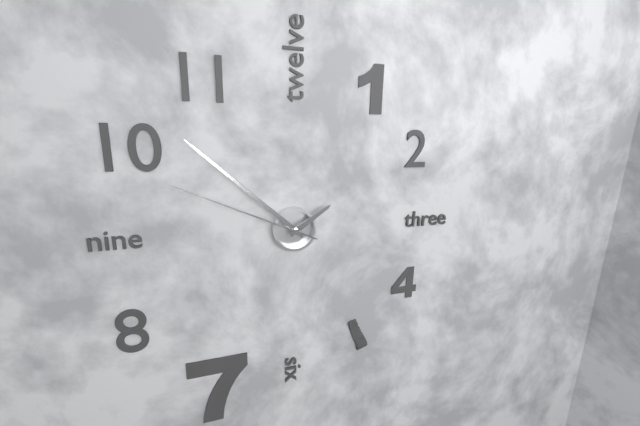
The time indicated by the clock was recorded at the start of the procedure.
1:52:49
